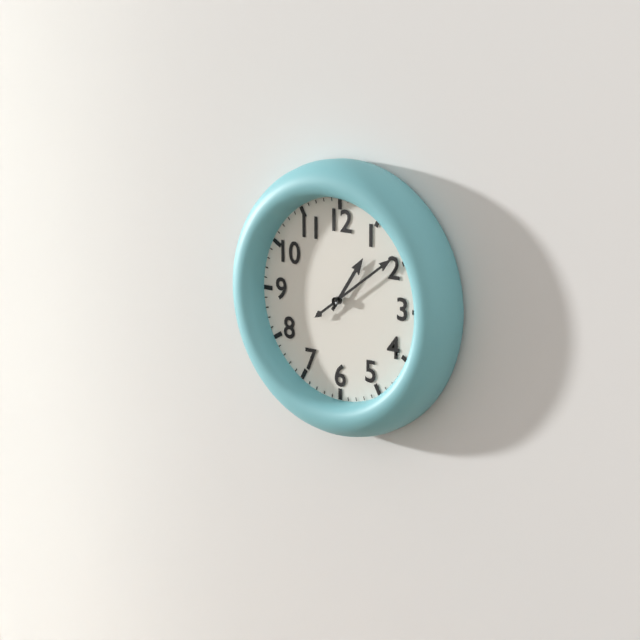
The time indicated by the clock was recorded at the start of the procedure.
1:09
